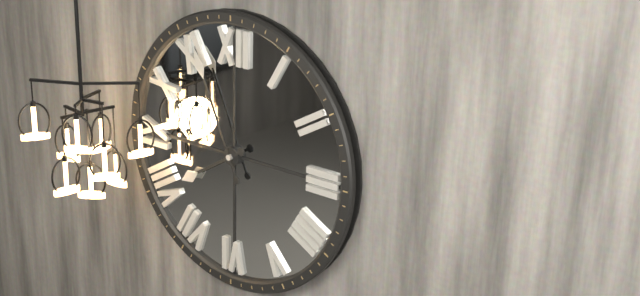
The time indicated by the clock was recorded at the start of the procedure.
7:56
